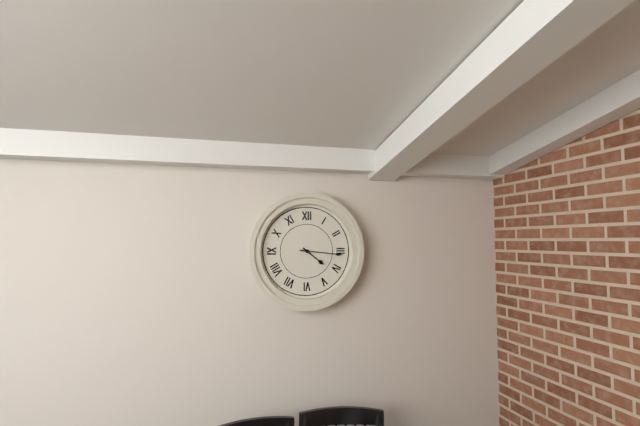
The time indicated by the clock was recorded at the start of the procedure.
4:16
